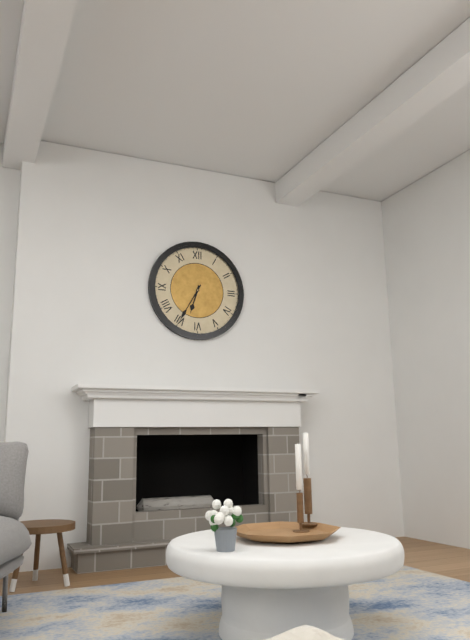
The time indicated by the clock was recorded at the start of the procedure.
6:35
